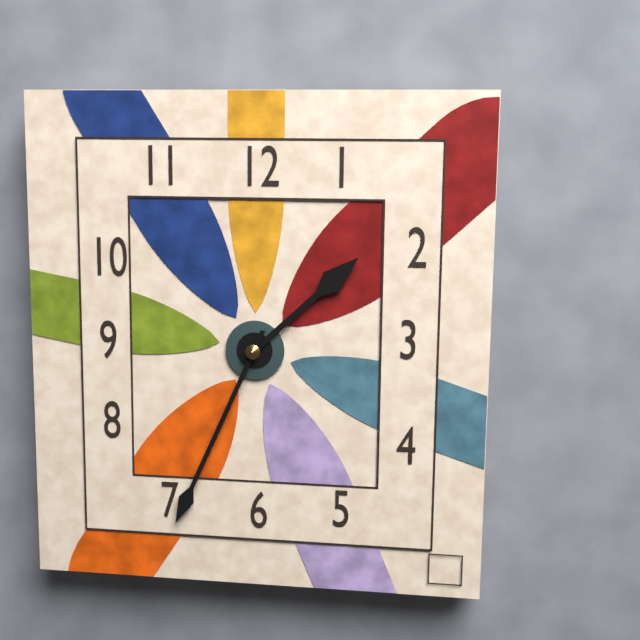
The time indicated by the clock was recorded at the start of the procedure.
1:34
